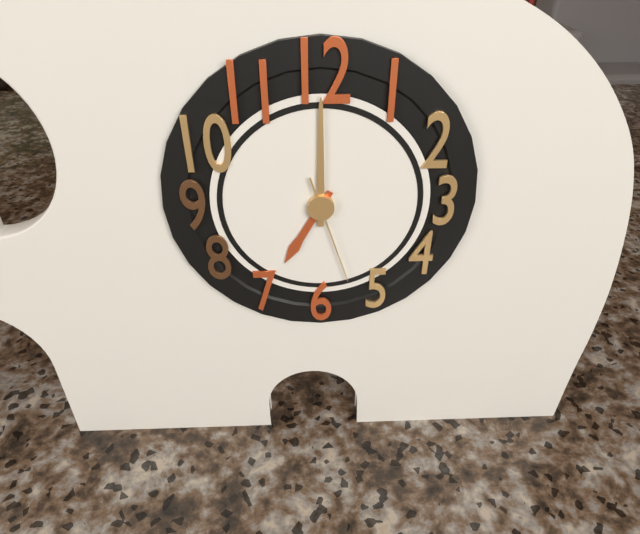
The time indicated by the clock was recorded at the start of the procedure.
7:00:27
